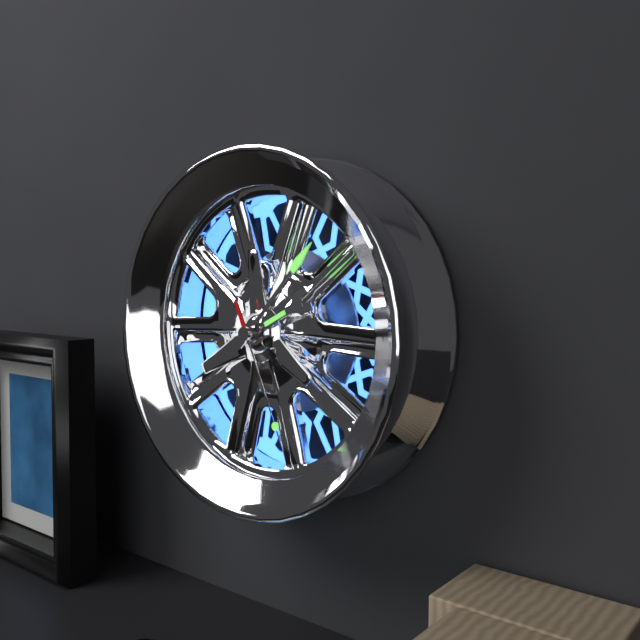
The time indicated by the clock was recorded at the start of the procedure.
2:07:26
